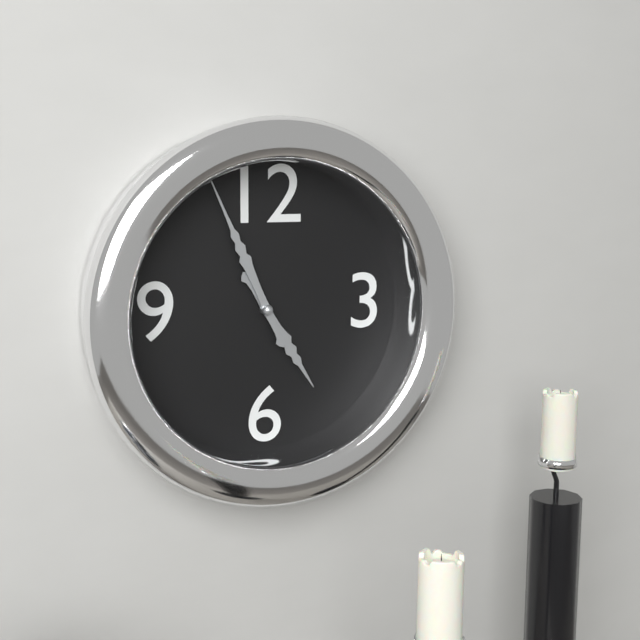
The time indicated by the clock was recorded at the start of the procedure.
4:56
